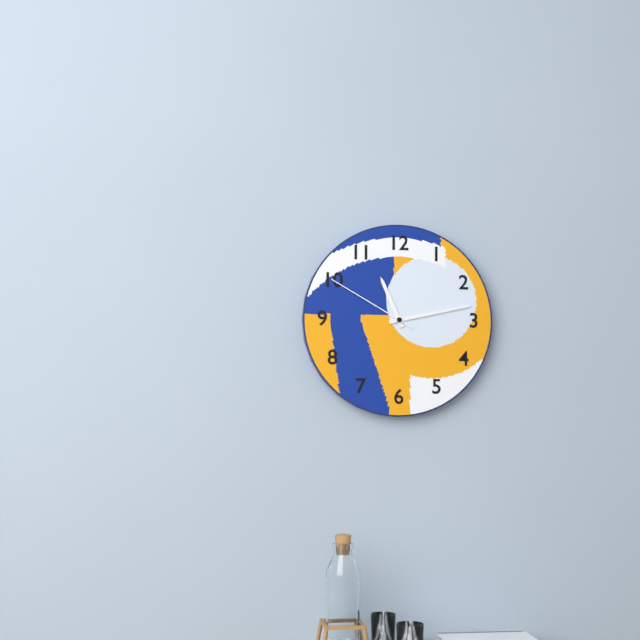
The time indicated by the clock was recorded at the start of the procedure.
11:13:50
